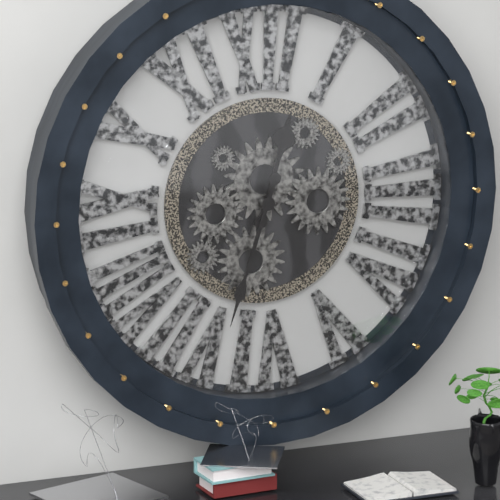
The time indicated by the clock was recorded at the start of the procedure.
12:33
